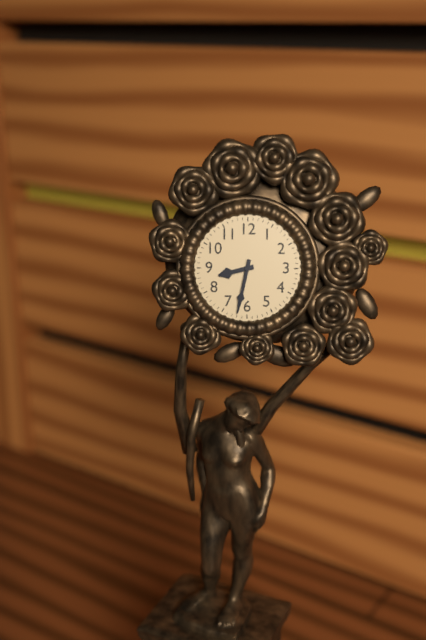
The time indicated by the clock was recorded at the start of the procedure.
8:32
